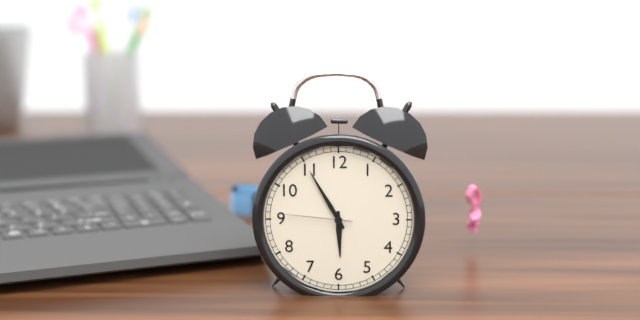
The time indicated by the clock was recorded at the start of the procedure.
5:55:46
